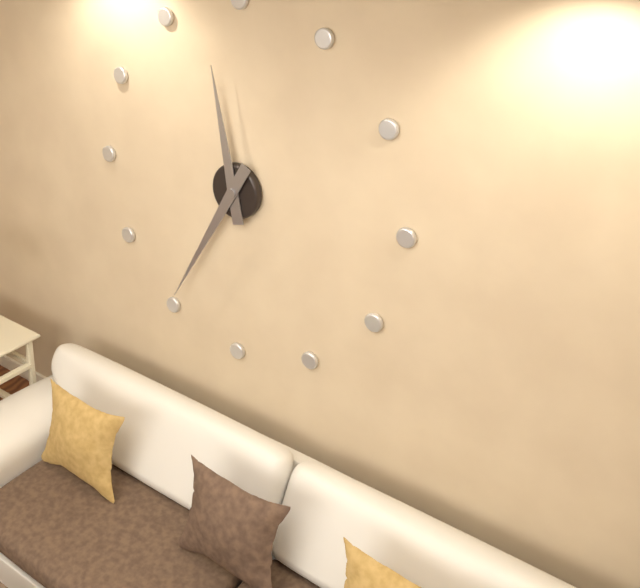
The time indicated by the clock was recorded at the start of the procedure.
11:35
